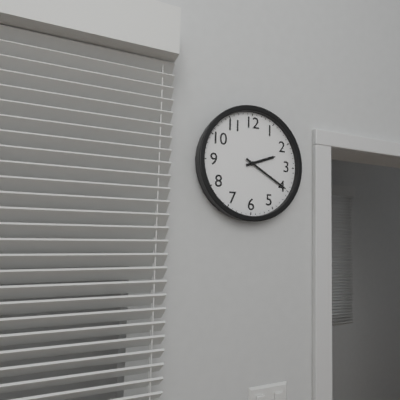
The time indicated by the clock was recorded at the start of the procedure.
2:20
